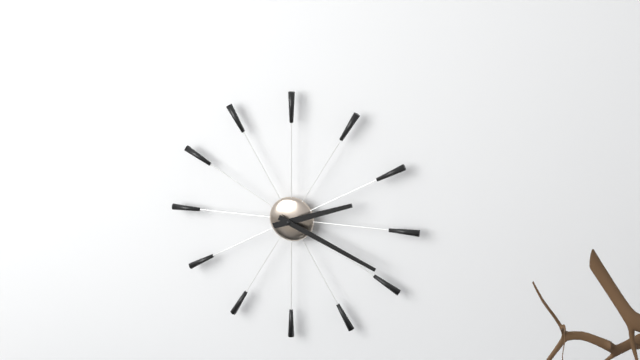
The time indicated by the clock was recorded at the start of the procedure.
2:19
